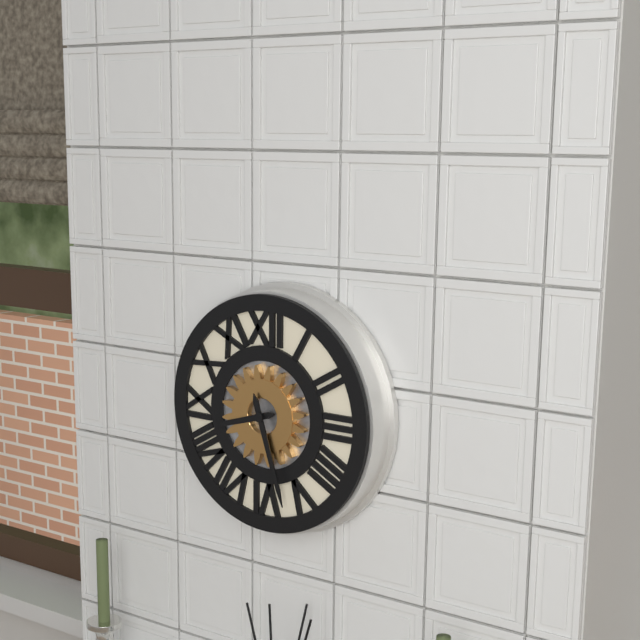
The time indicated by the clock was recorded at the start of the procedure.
8:27
